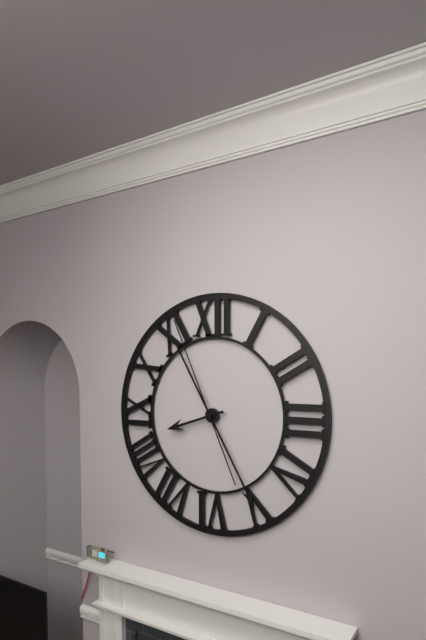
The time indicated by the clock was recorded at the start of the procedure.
8:25:56
